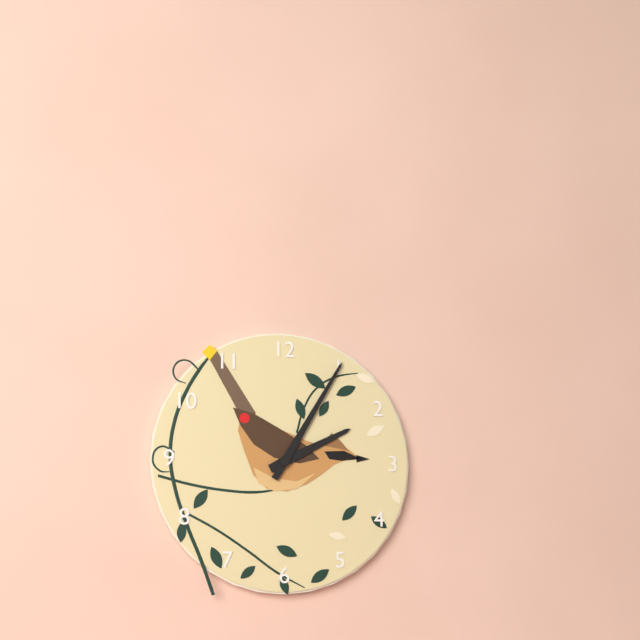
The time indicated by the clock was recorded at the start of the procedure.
2:05
